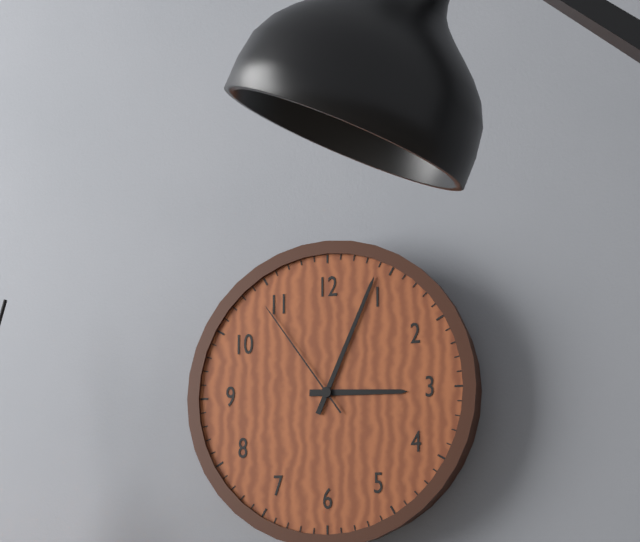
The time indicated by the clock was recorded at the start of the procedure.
3:04:54
